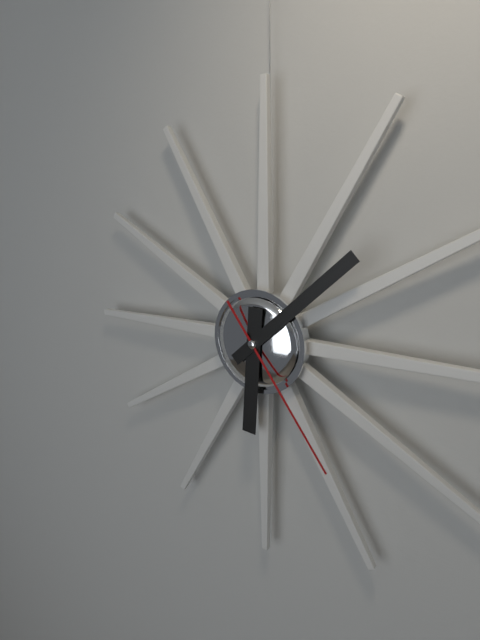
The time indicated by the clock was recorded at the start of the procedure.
6:08:24
